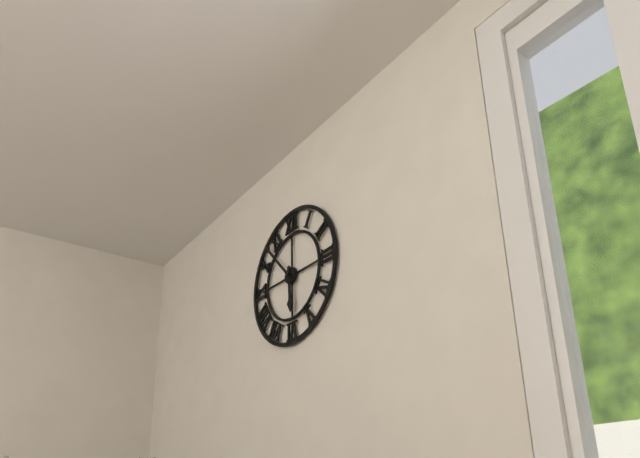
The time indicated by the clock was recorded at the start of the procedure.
5:53
